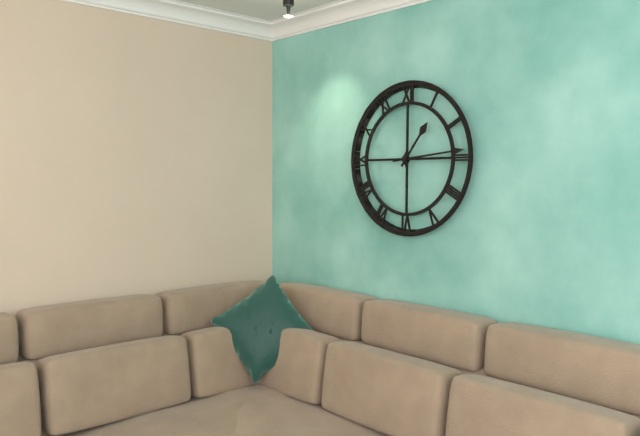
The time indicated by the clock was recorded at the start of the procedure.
1:14
